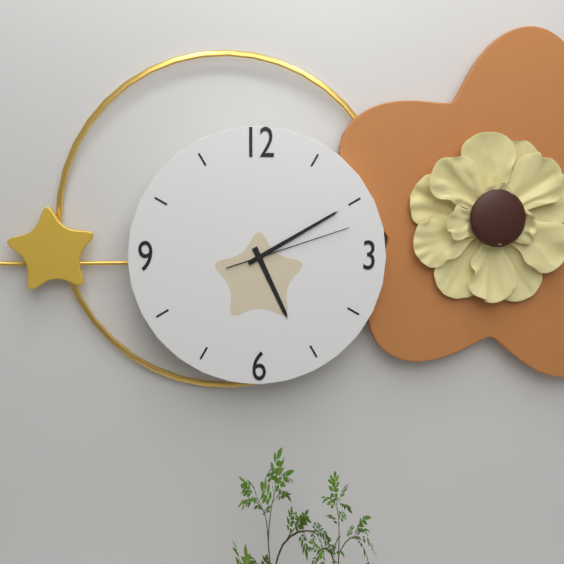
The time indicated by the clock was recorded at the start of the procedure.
5:10:12
